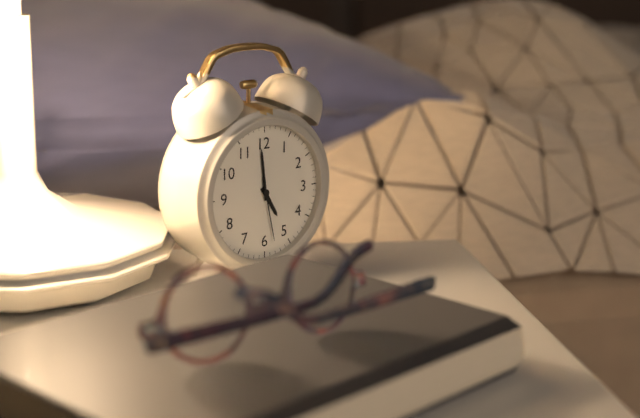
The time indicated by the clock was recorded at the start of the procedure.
4:59:28
